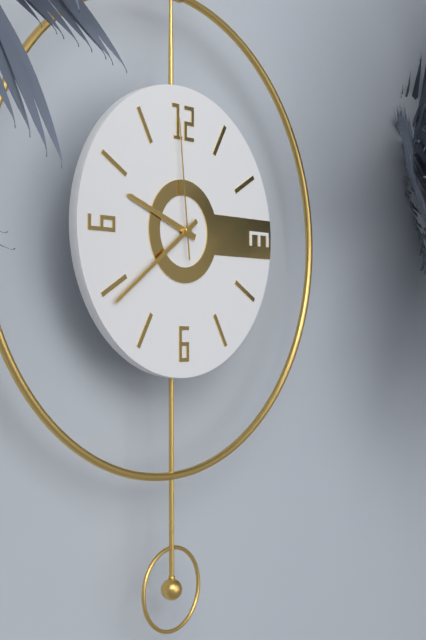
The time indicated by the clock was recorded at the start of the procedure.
9:39:59
